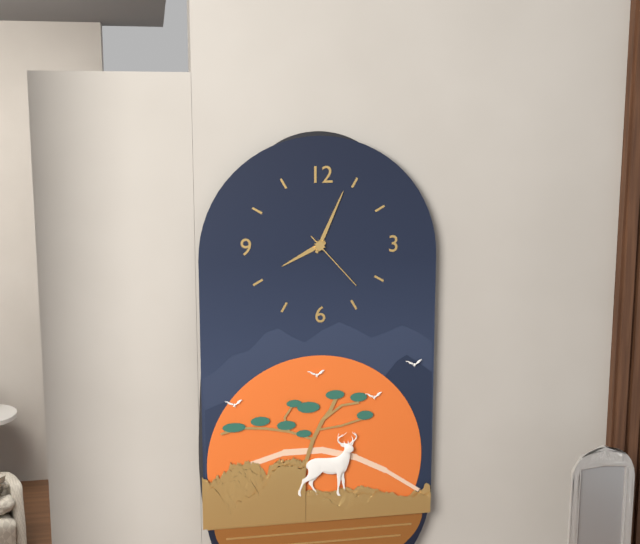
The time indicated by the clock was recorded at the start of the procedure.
8:04:23
